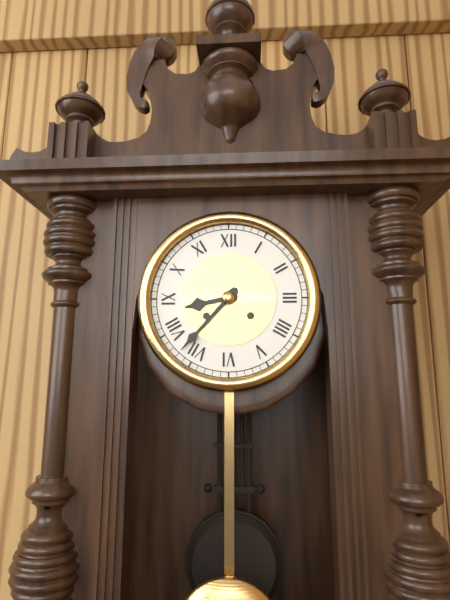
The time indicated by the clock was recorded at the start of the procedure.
8:37
